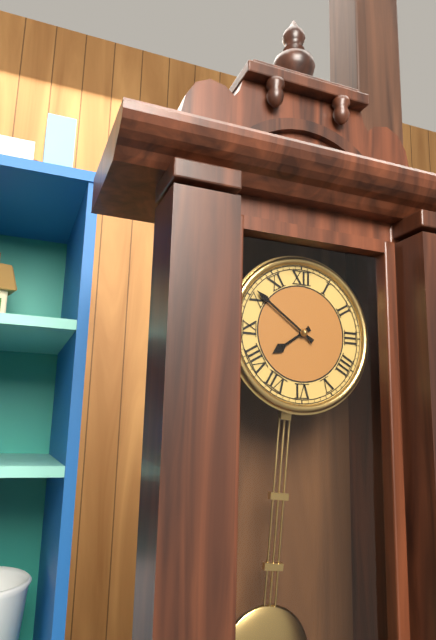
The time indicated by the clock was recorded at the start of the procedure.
7:51
